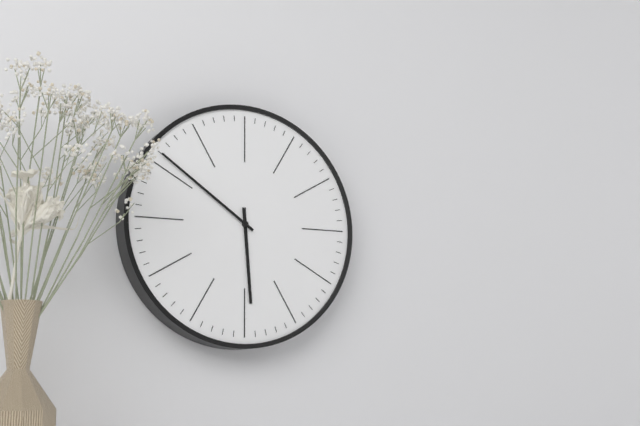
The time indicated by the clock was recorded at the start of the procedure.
5:51
